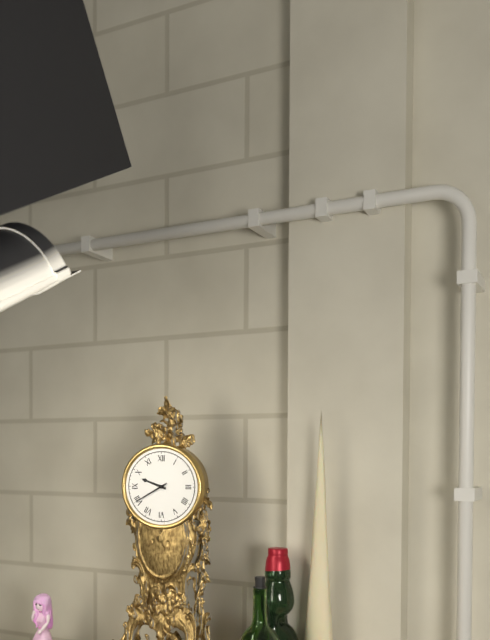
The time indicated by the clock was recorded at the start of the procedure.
9:40
